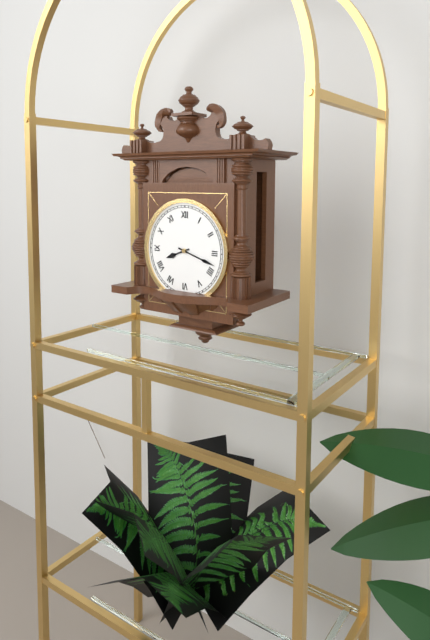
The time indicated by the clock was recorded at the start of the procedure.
8:18
